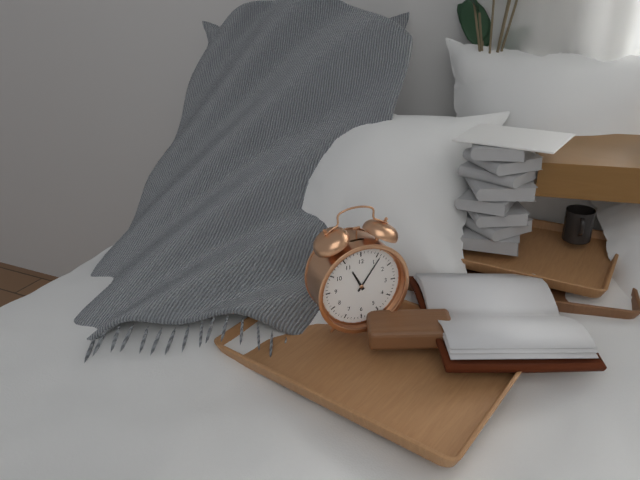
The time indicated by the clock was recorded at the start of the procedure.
11:06
